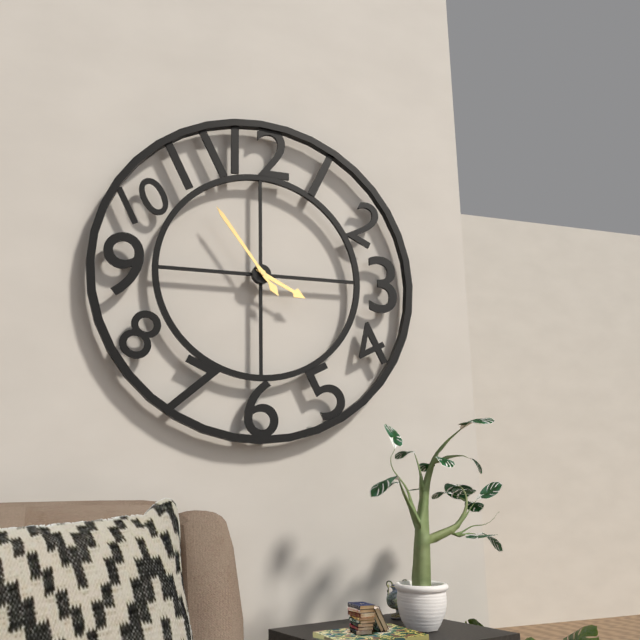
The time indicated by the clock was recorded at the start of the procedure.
3:54
